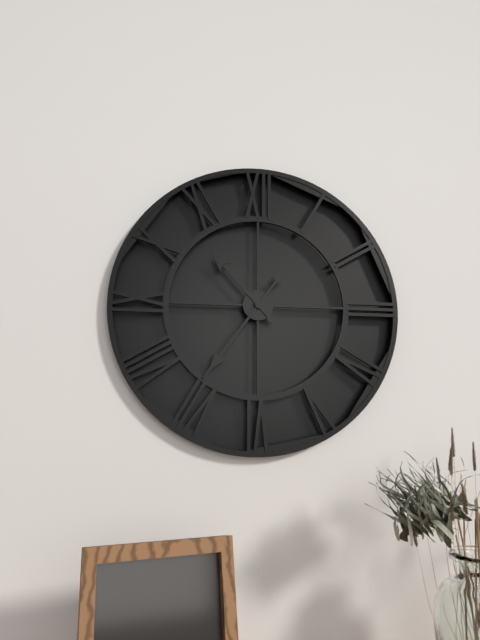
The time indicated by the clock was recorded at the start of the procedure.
10:36
